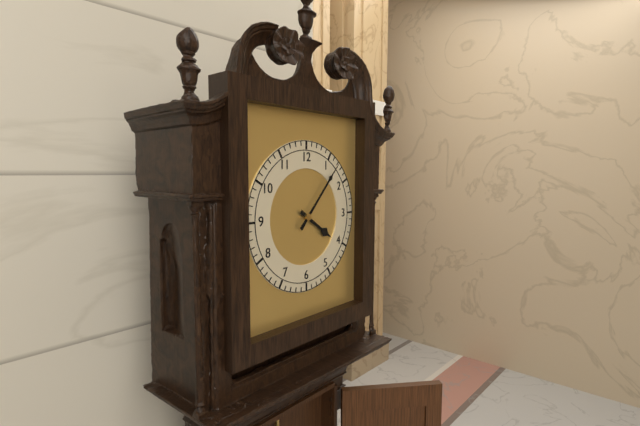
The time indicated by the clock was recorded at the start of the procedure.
4:07
